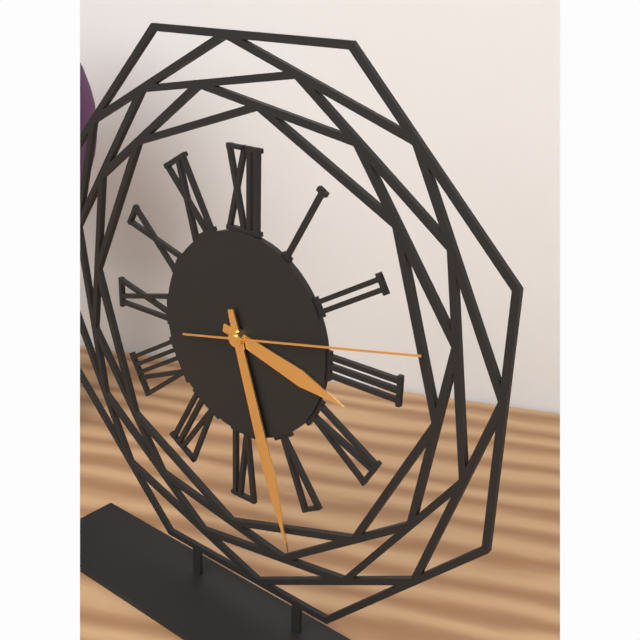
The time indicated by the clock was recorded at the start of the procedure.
3:27:13
